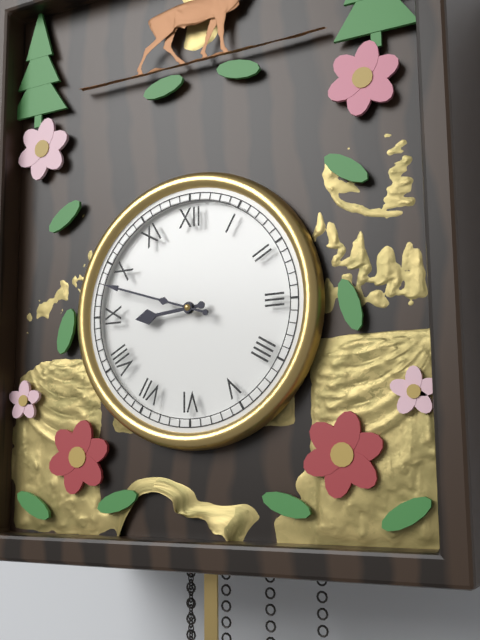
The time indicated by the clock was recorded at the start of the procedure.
8:48
